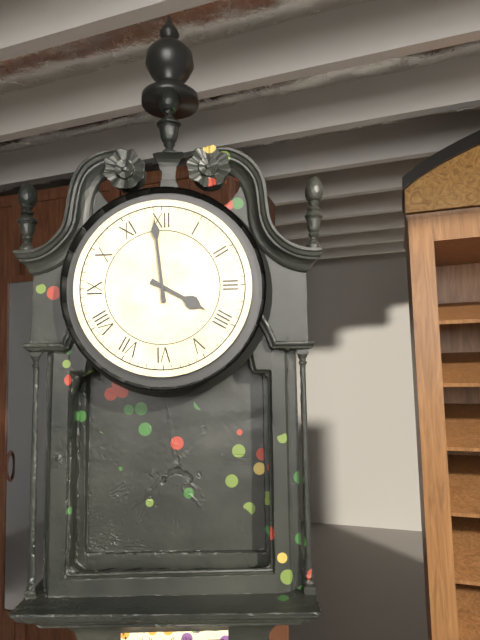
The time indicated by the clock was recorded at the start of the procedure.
3:59
